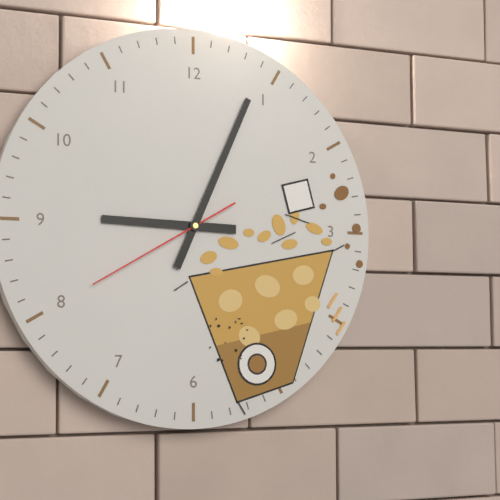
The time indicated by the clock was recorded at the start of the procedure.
9:04:40
